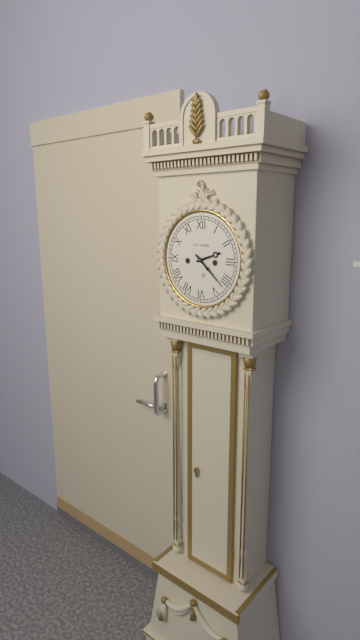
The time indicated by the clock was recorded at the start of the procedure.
2:22
